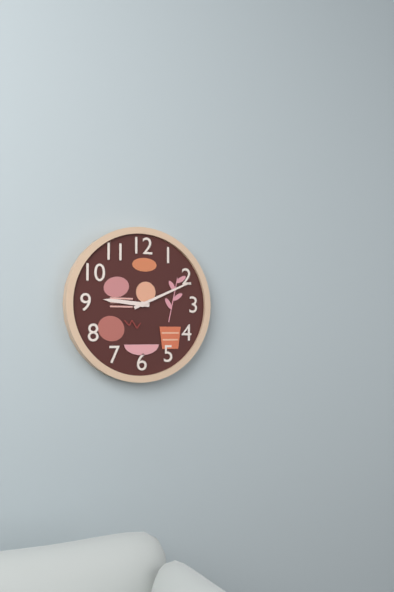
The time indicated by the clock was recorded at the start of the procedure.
9:11
